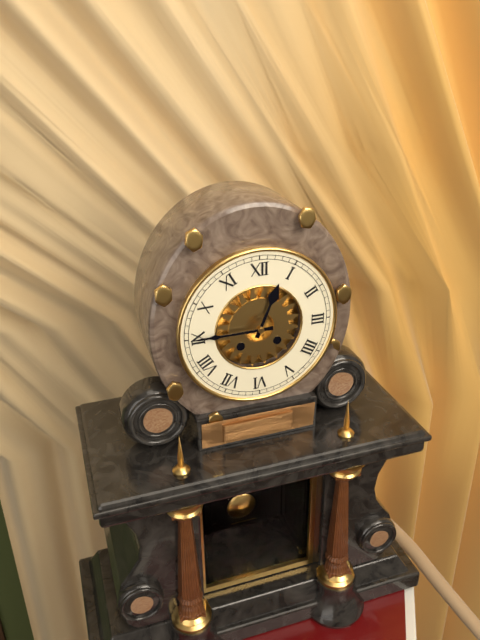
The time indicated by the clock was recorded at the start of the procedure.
12:45
